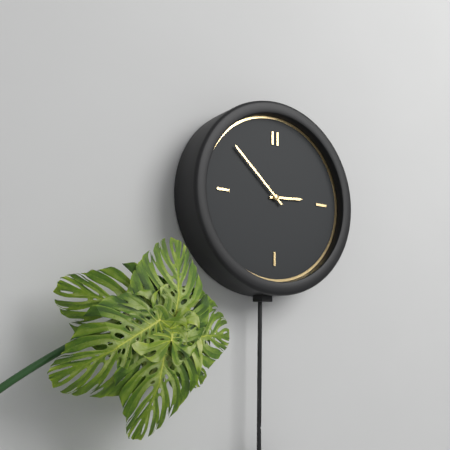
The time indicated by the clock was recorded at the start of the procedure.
2:52
